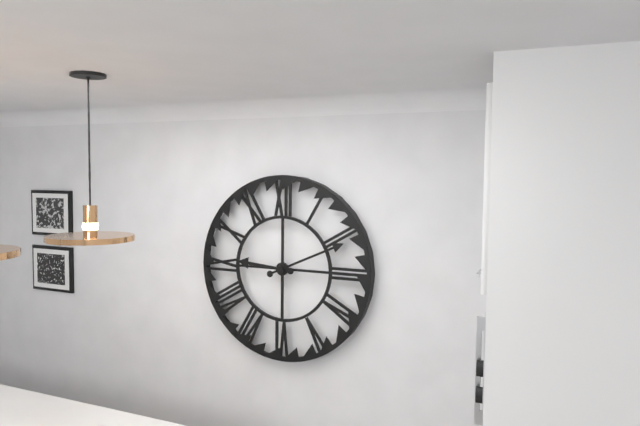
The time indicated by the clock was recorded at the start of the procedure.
9:11
